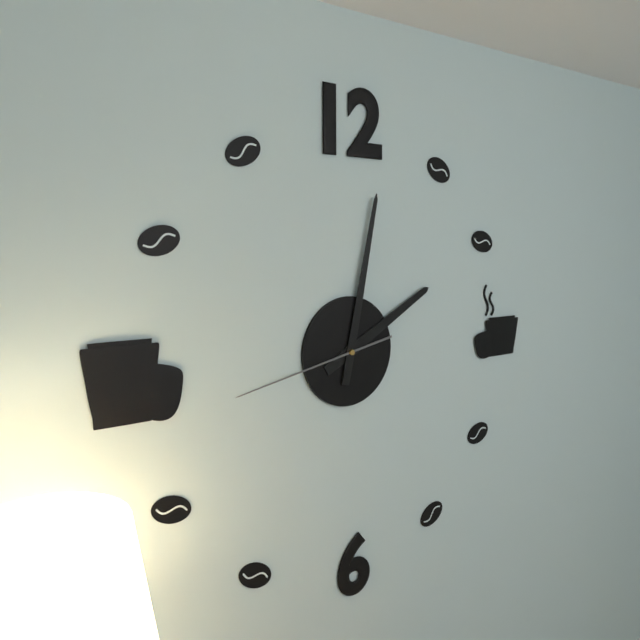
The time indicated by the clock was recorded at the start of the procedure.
2:02:43
